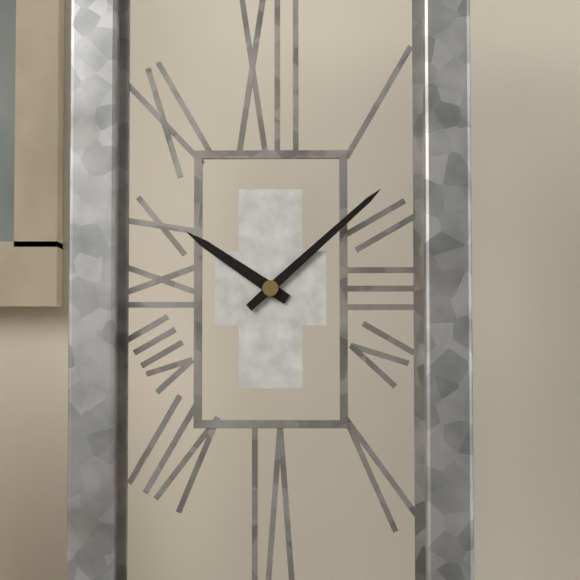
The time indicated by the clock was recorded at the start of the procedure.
10:08
